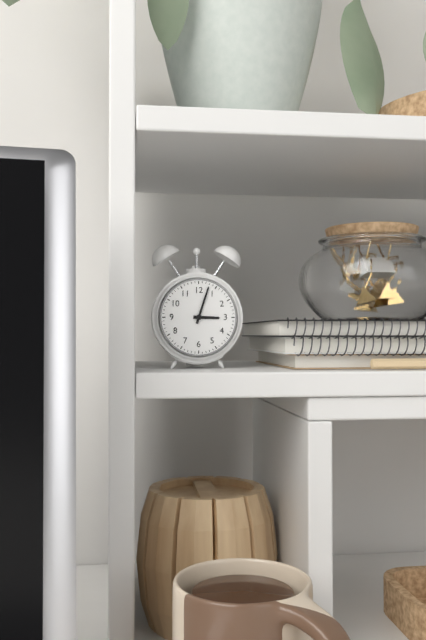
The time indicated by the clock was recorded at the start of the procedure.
3:03
